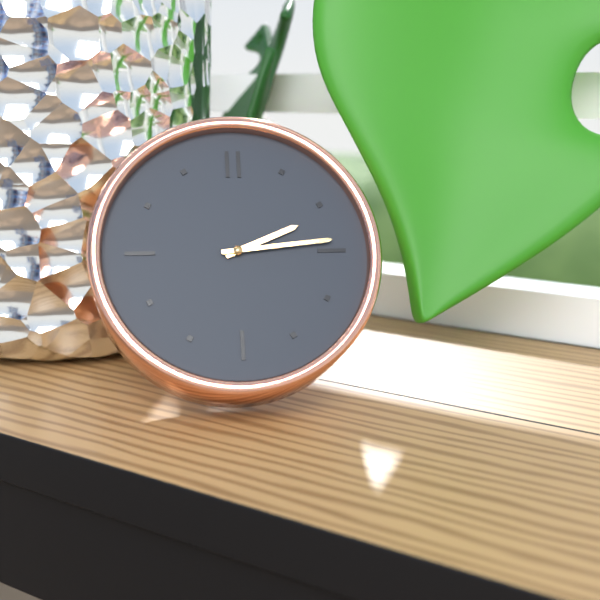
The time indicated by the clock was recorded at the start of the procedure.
2:14
